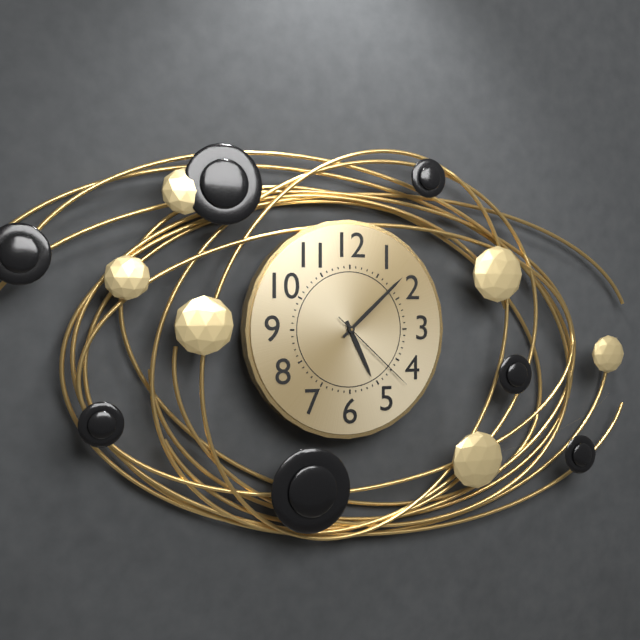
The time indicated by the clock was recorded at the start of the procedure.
5:08:22
